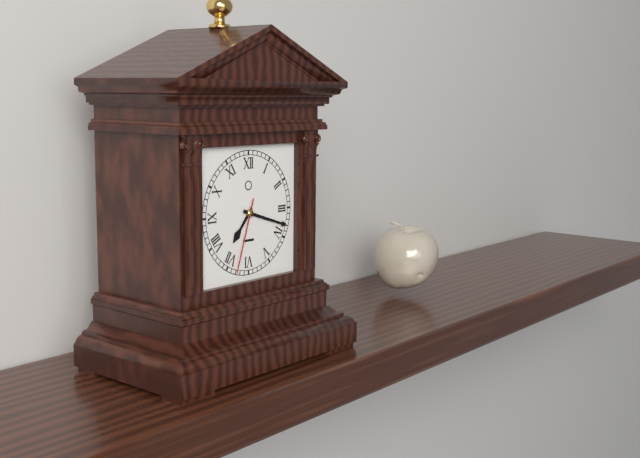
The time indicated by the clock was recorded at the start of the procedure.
7:18:33
